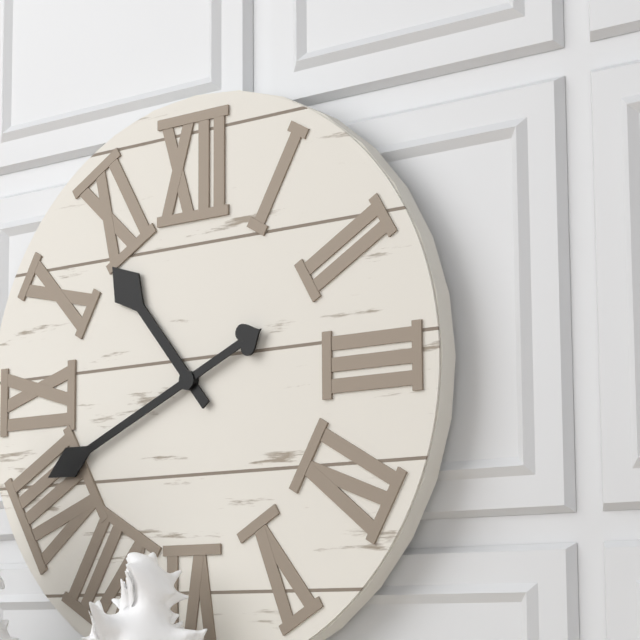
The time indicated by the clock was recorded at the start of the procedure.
10:41
